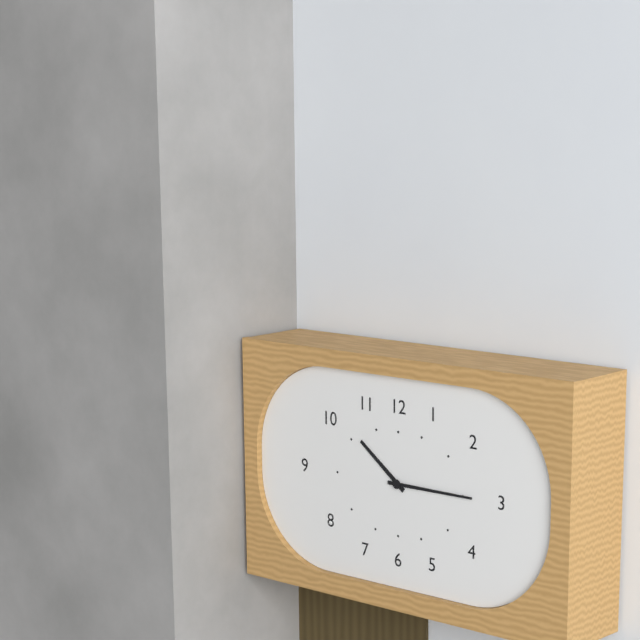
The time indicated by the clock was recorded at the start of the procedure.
10:15
